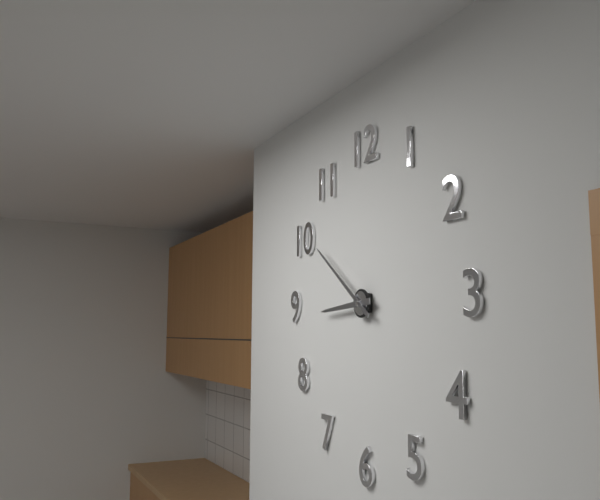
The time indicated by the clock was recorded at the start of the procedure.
8:51
